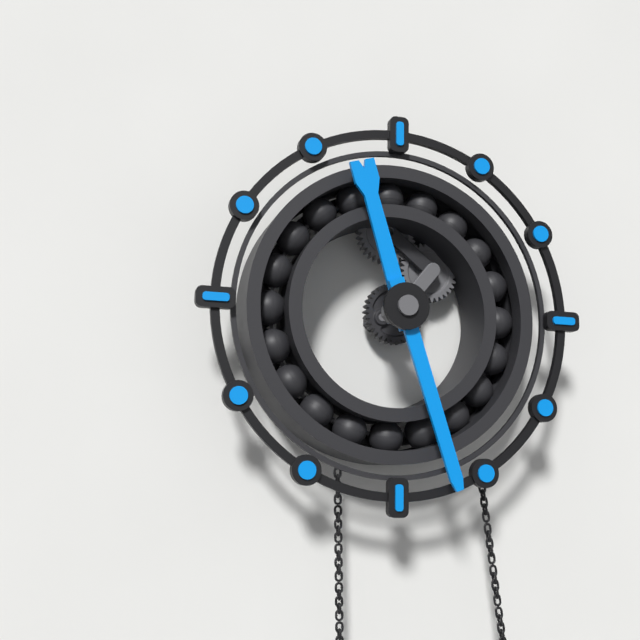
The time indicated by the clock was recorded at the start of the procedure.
11:27
